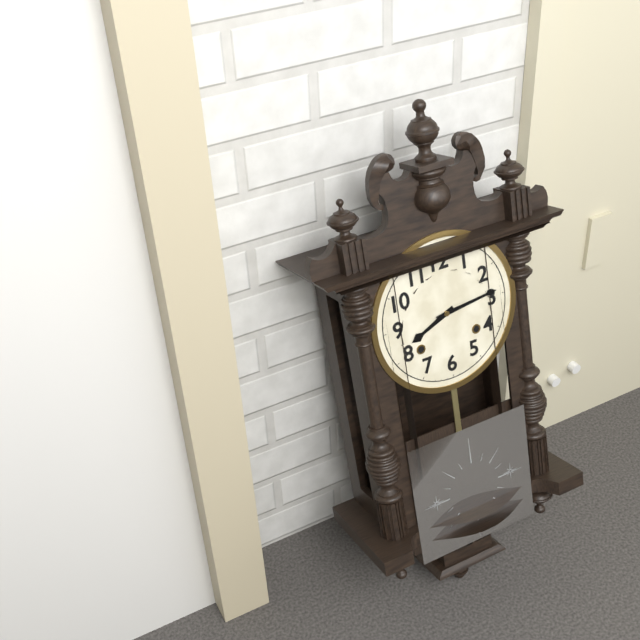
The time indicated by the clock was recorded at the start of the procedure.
8:14
